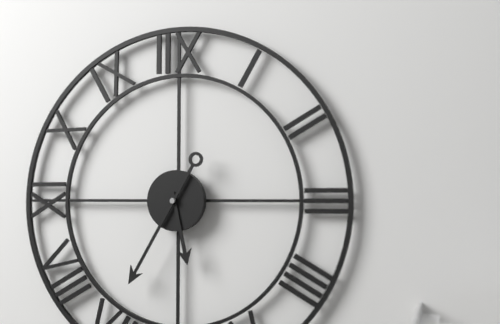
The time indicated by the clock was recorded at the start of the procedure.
5:35
